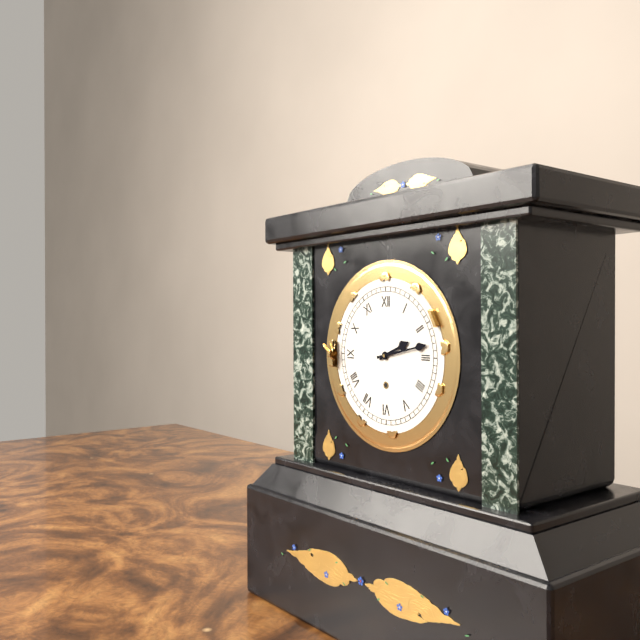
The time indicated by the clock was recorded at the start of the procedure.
2:13
